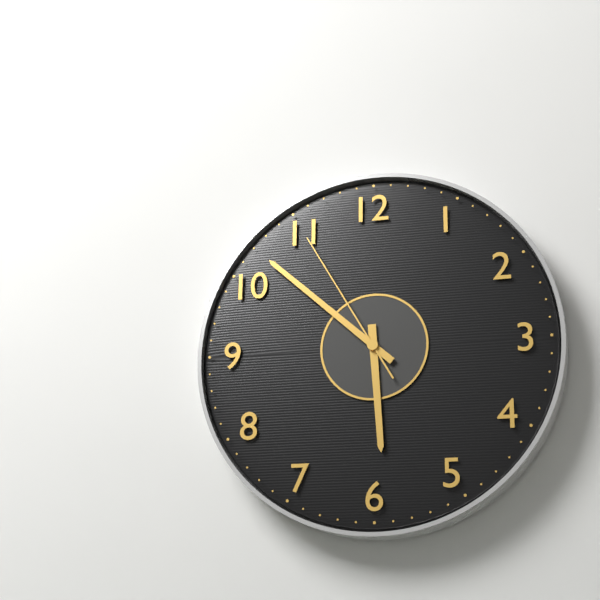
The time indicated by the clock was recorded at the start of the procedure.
5:52:55
